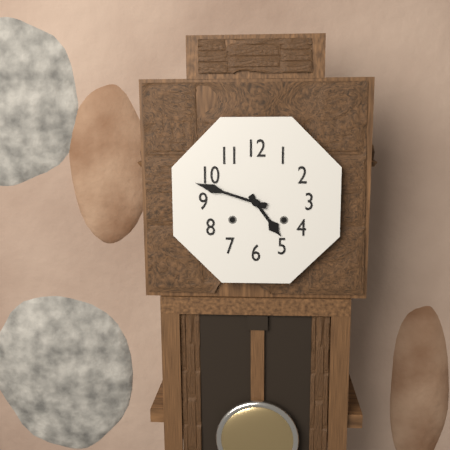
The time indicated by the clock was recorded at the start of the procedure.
4:48
